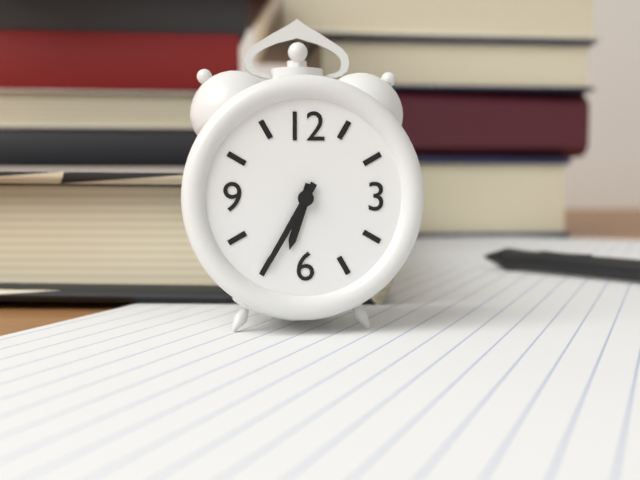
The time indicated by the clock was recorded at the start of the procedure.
6:35
